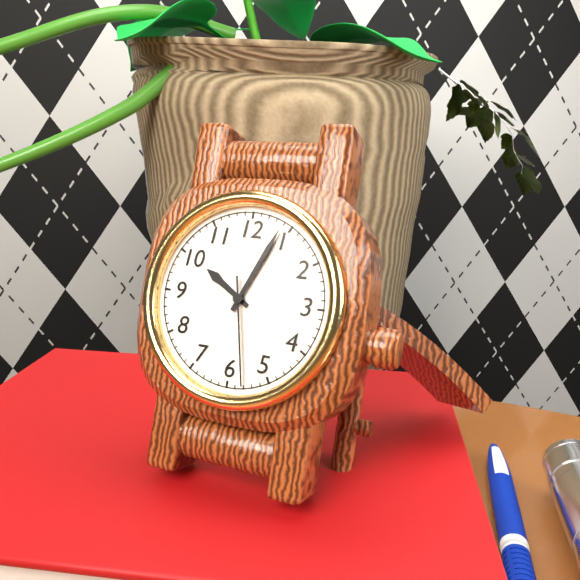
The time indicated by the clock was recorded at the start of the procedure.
10:04:28
